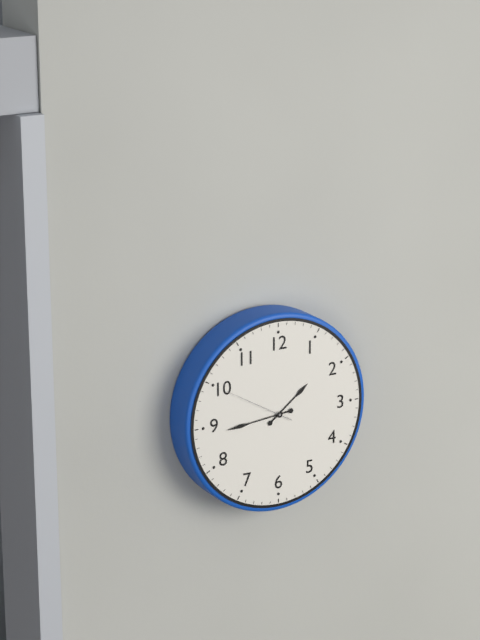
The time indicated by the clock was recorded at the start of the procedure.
1:44:50
